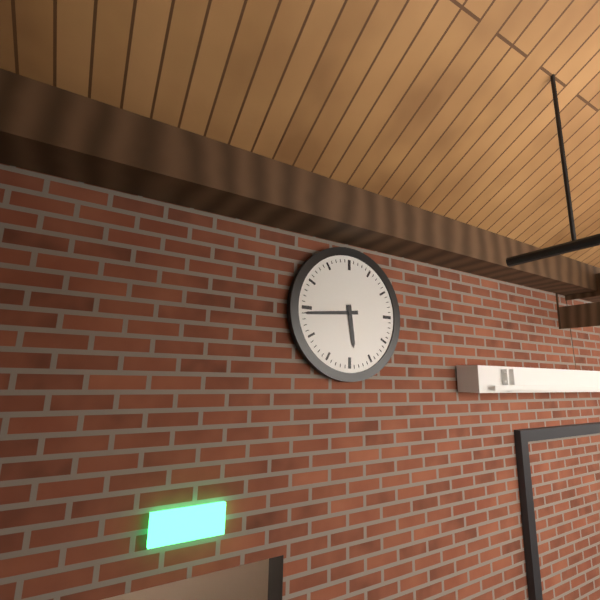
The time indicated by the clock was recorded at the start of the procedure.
5:44
